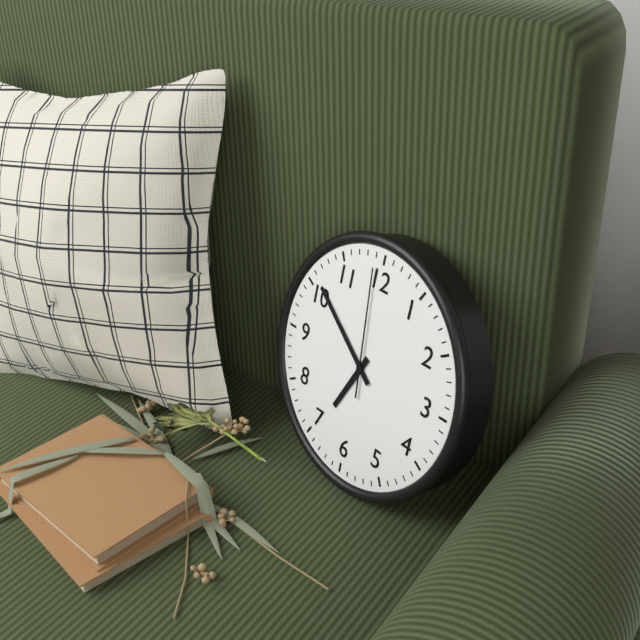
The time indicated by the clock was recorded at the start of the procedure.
6:51:59
